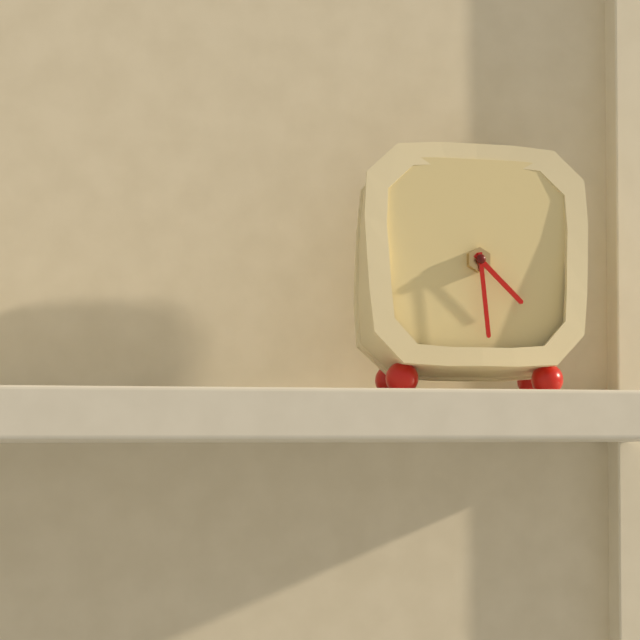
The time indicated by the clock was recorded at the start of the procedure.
4:29
